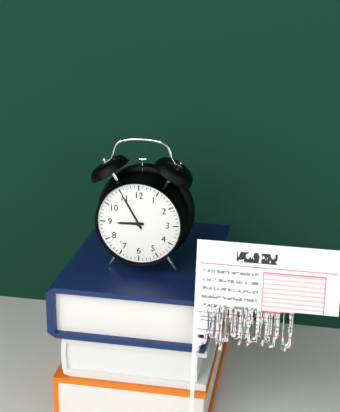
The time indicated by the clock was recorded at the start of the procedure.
8:55
